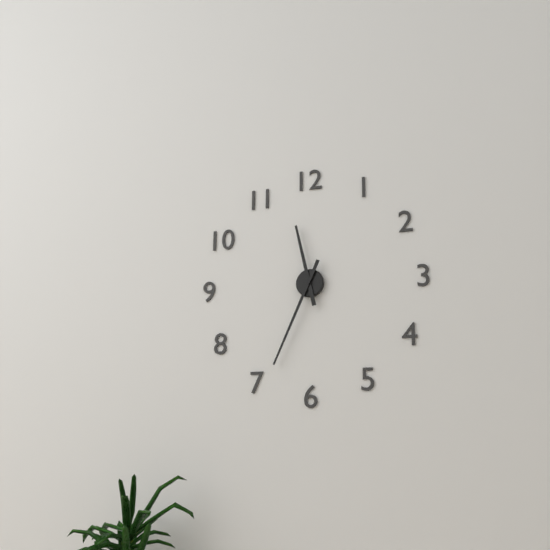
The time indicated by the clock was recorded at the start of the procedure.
11:34
